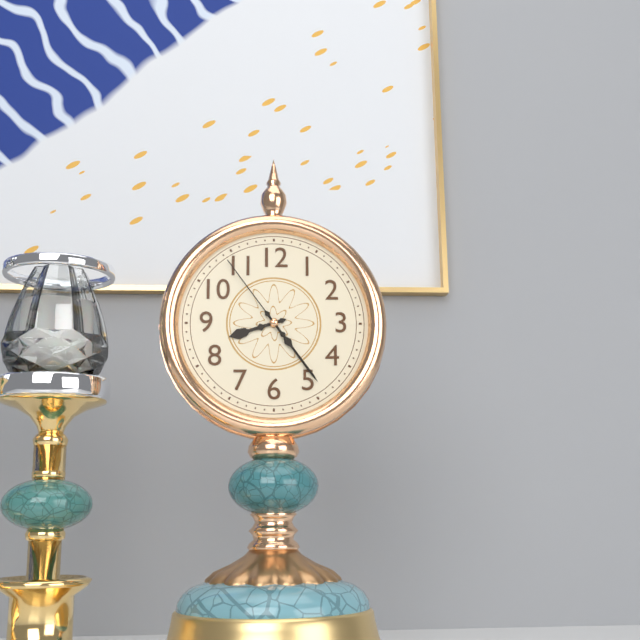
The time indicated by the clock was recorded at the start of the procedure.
8:24:54
